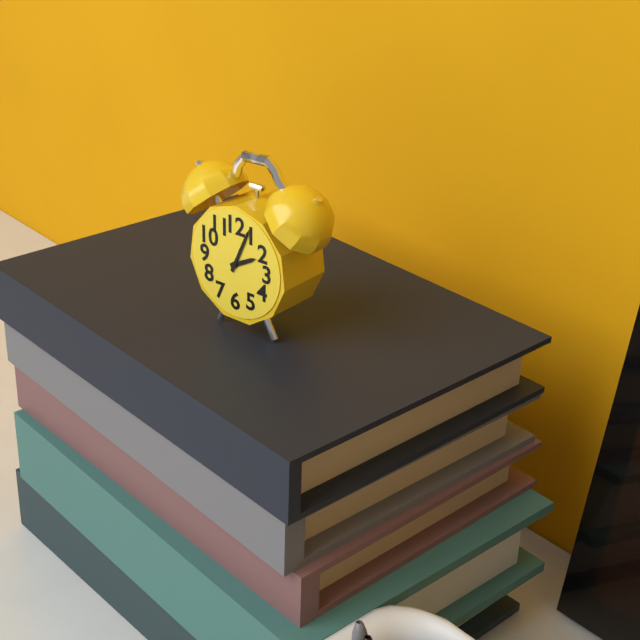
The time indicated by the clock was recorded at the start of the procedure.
2:04
